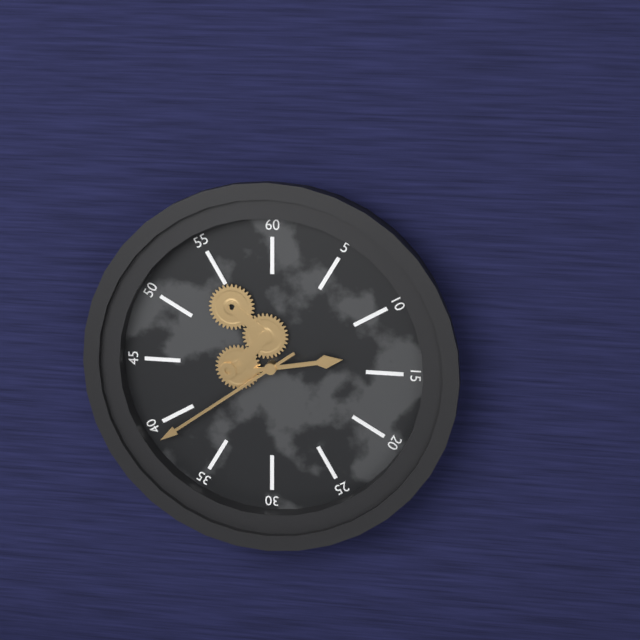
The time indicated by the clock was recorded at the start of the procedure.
2:39
